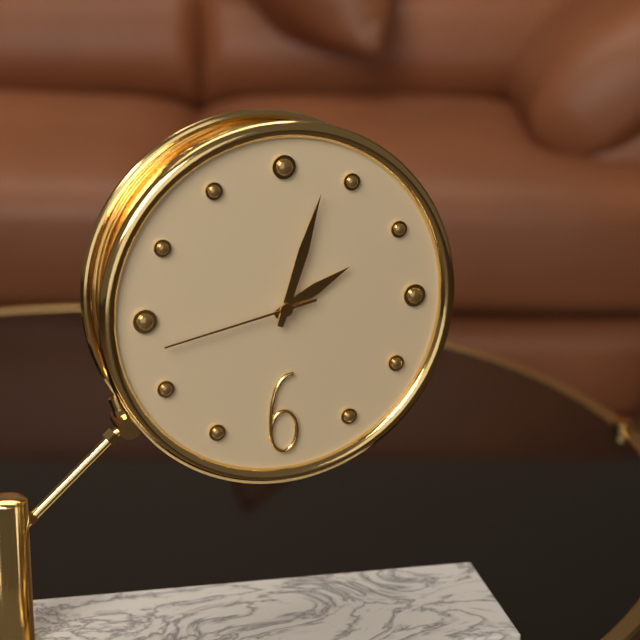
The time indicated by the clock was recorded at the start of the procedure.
2:03:43
